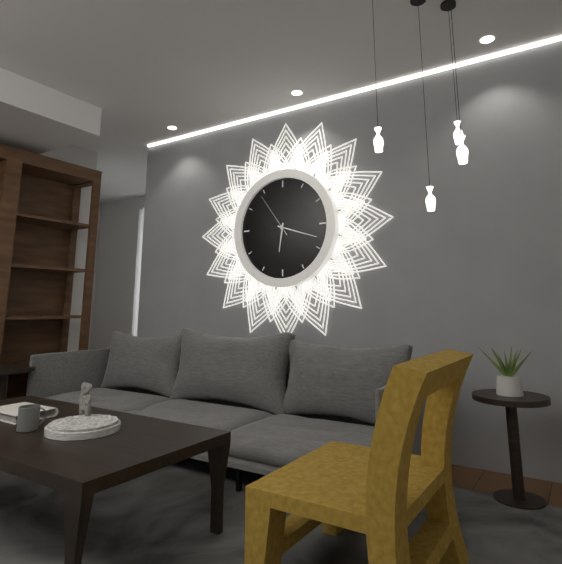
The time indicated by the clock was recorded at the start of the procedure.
6:18
